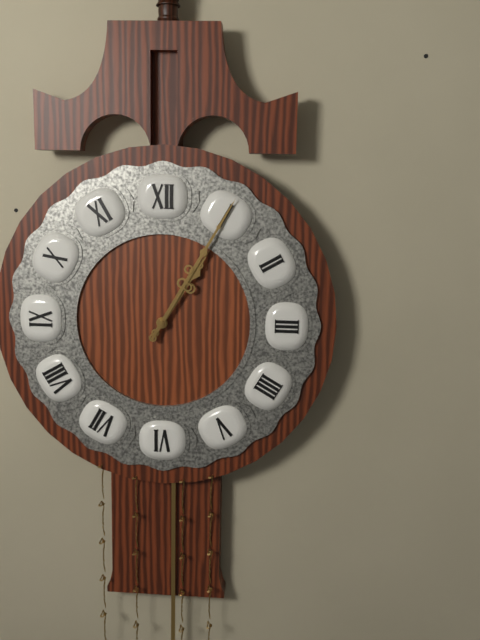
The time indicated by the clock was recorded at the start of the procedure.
1:05
